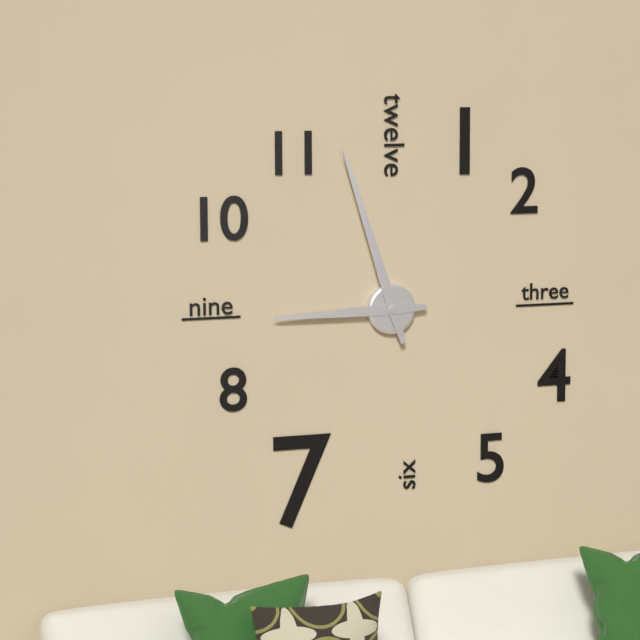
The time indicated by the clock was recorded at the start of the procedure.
8:57
